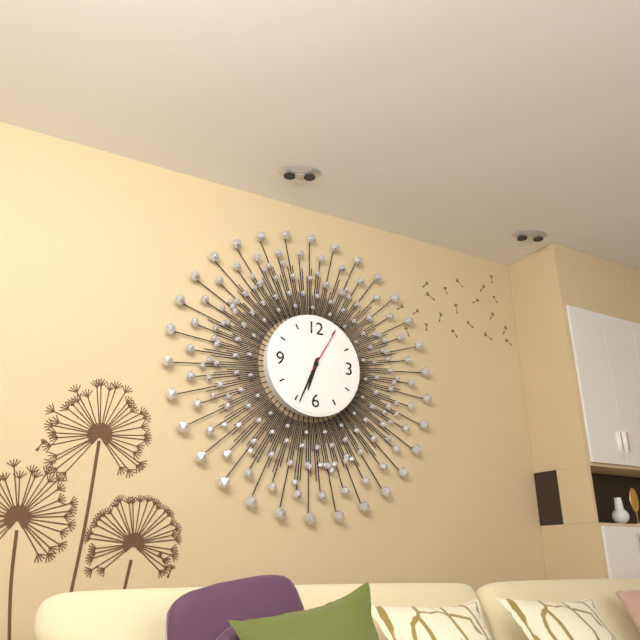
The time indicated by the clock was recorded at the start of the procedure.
6:34
